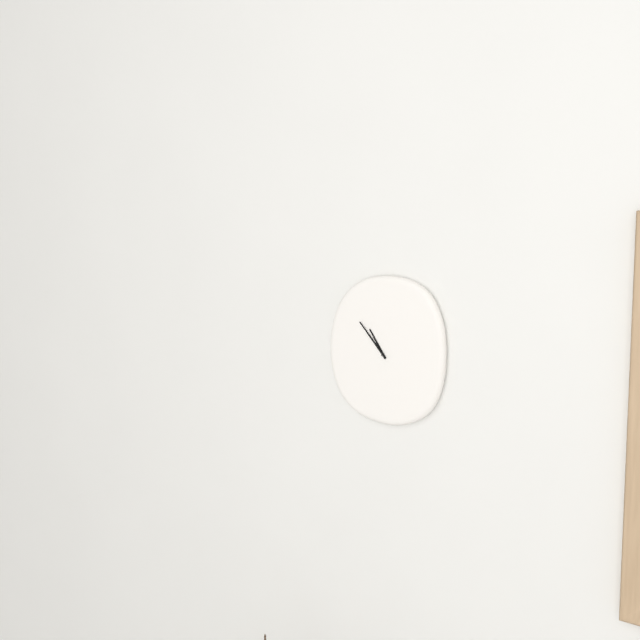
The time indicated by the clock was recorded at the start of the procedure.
10:53
